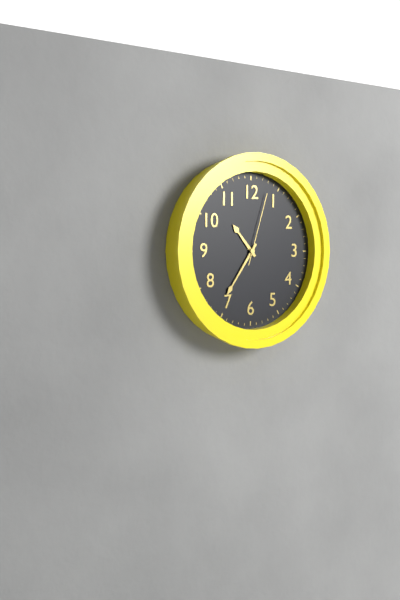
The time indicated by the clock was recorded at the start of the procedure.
10:36:03
